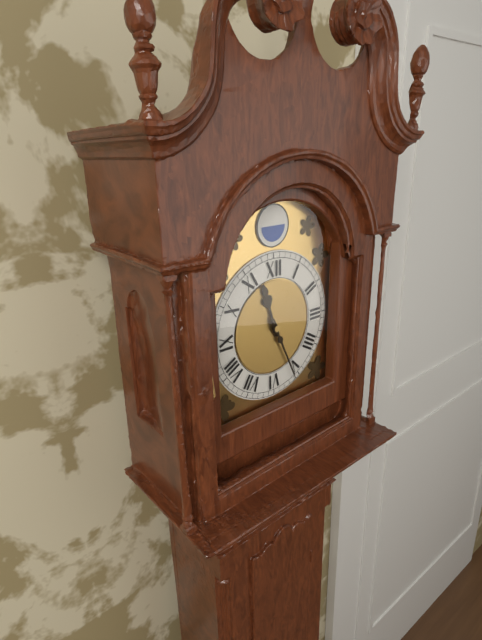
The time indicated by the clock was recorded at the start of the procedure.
11:26
